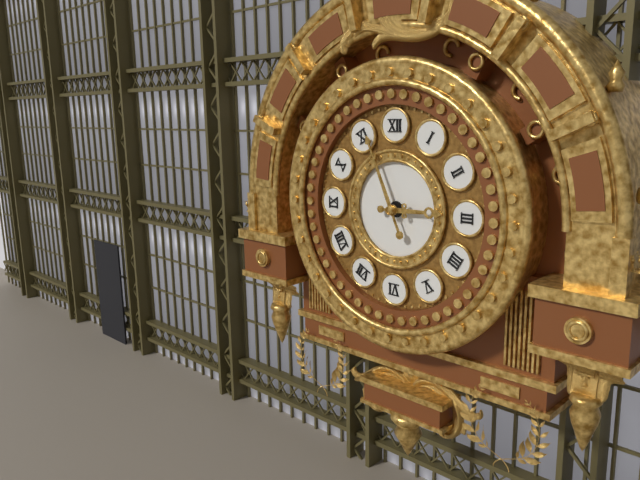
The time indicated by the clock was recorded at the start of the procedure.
2:56
